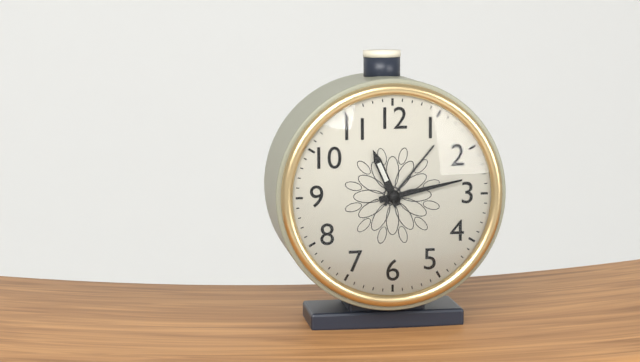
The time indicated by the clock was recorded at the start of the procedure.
11:13
